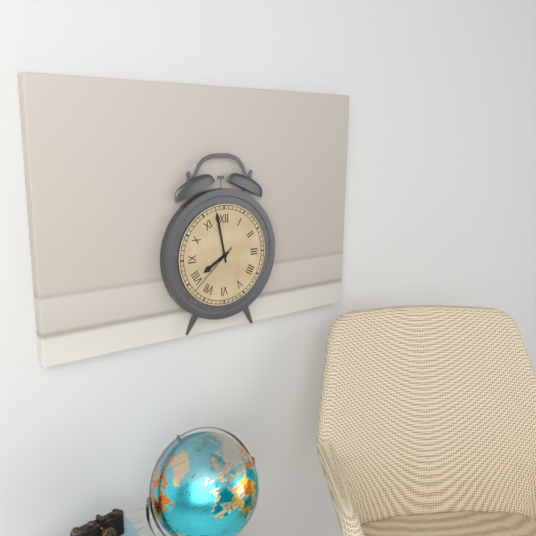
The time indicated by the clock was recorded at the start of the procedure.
7:58:38
